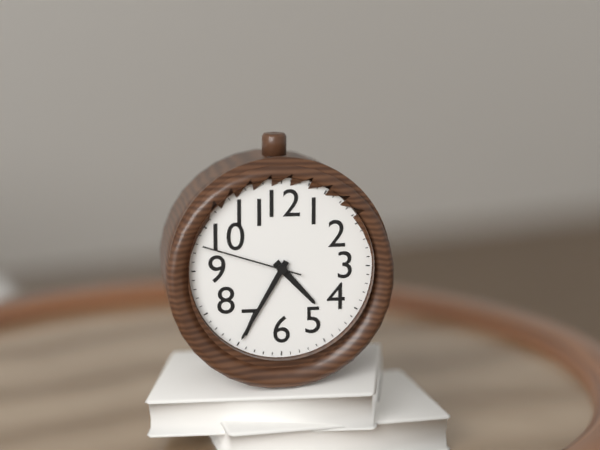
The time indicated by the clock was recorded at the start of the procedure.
4:35:48
